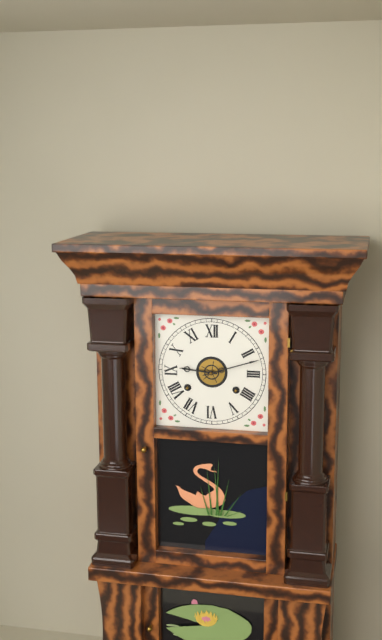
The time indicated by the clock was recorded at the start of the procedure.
9:12
